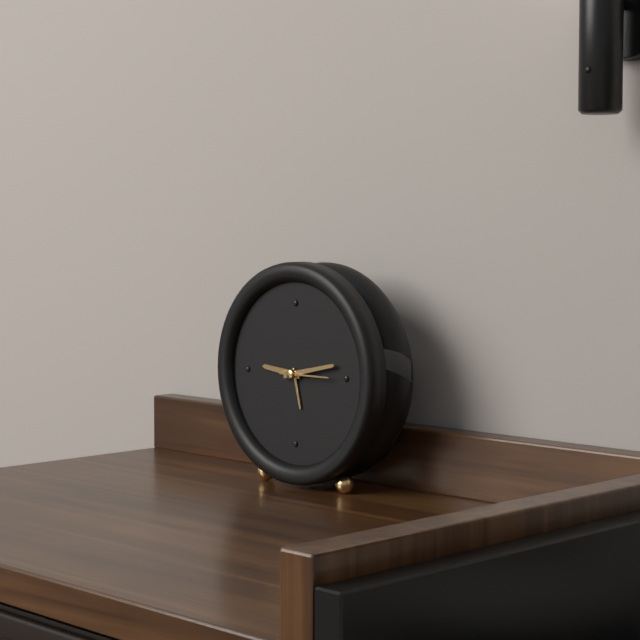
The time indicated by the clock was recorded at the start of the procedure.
9:13
